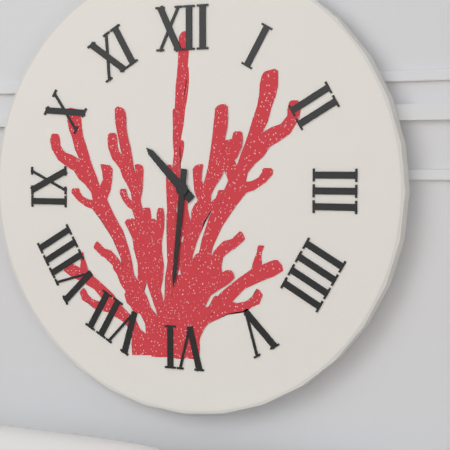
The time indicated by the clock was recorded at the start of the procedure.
10:31
